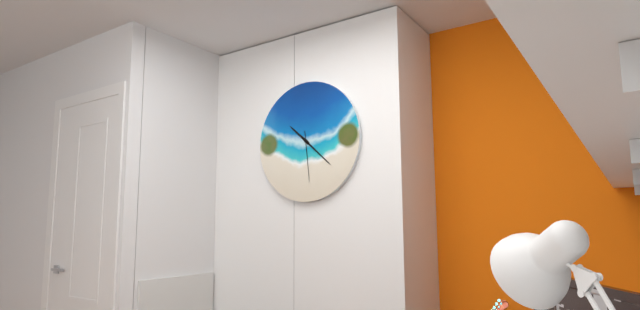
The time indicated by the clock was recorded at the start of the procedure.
10:22:29
